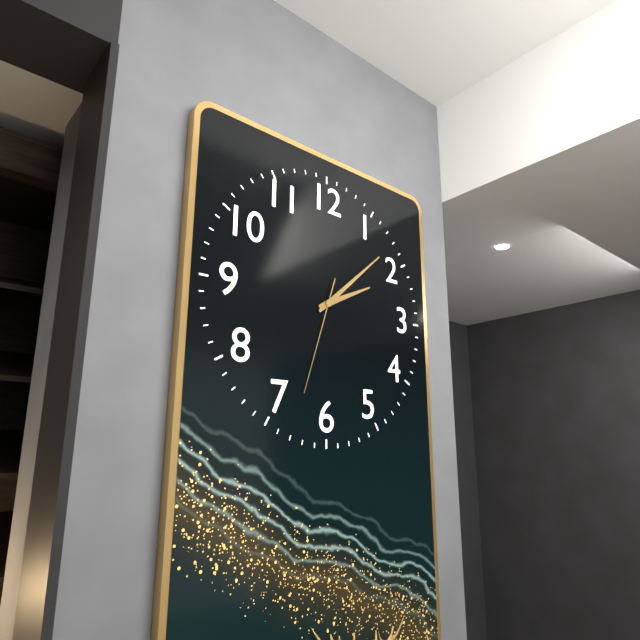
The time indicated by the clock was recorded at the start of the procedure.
2:08:33
